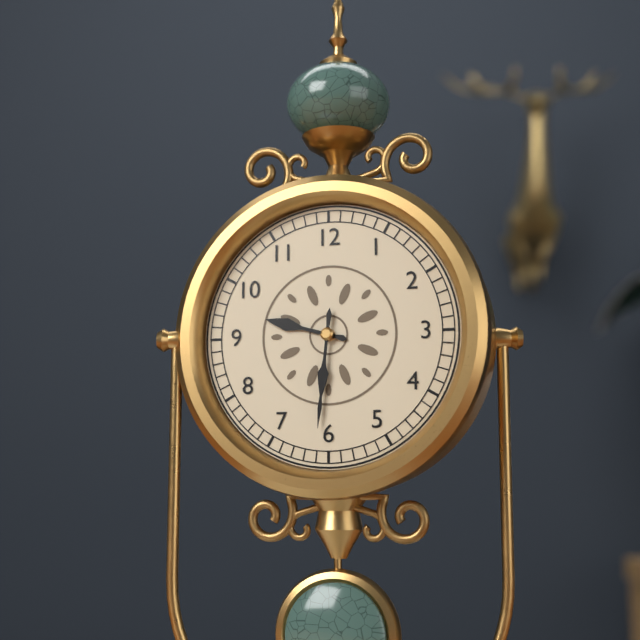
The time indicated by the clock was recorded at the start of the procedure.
9:31
